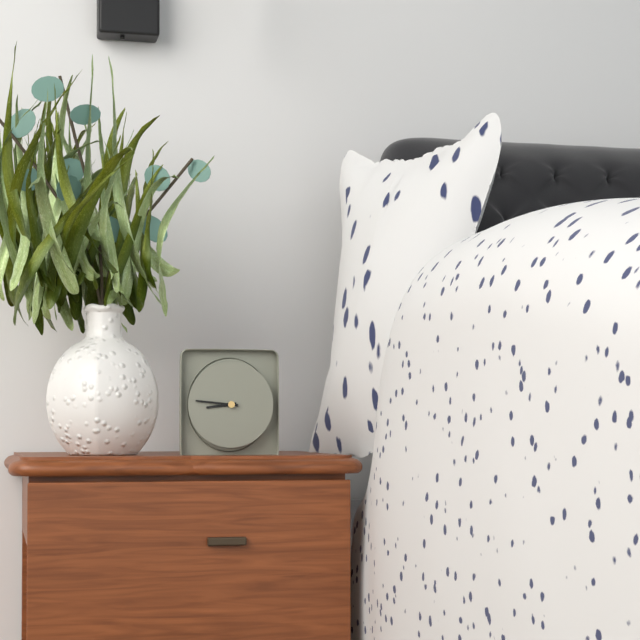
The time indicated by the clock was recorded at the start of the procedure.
8:46
